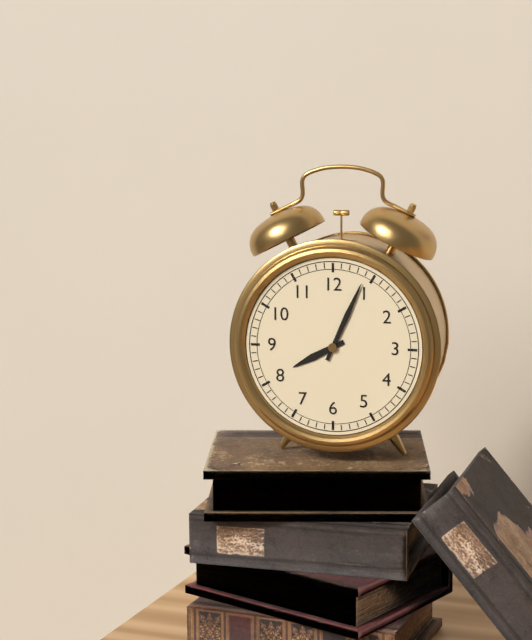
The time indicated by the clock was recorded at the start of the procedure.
8:04
